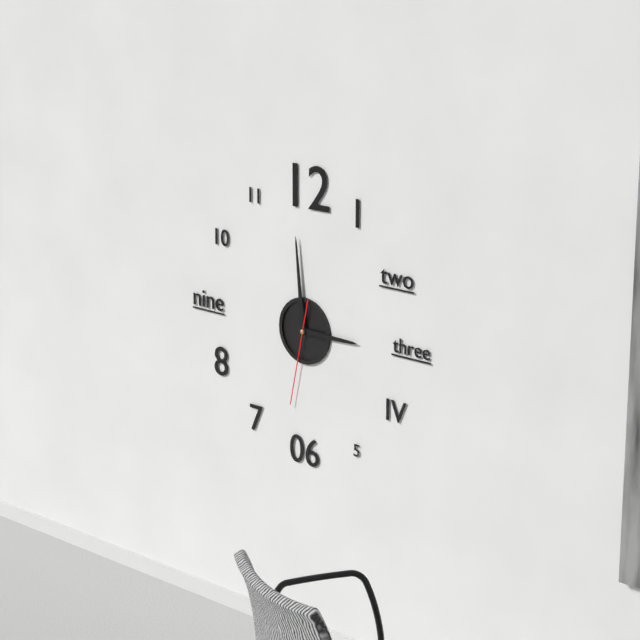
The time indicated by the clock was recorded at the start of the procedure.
2:59:32
